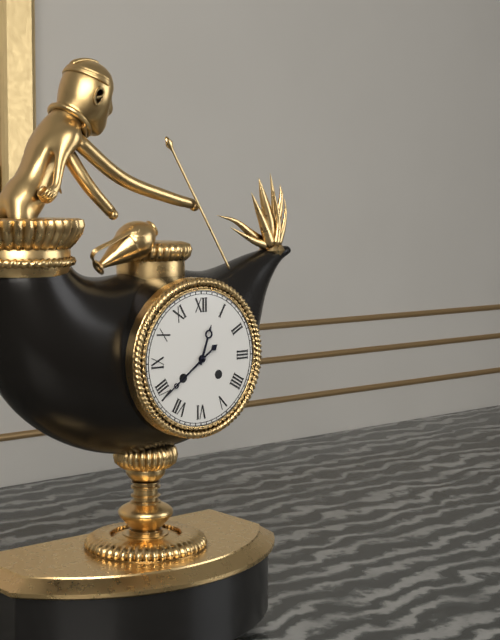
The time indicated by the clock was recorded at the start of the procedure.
12:39
